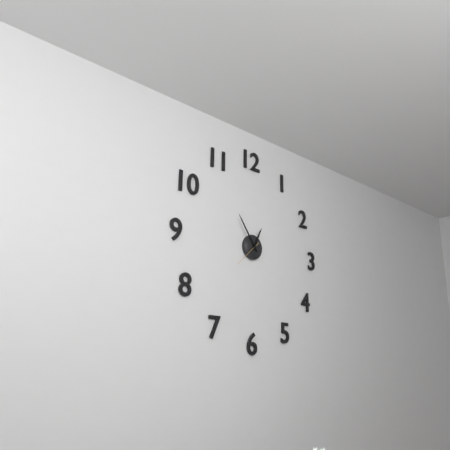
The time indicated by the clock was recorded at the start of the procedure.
12:54
